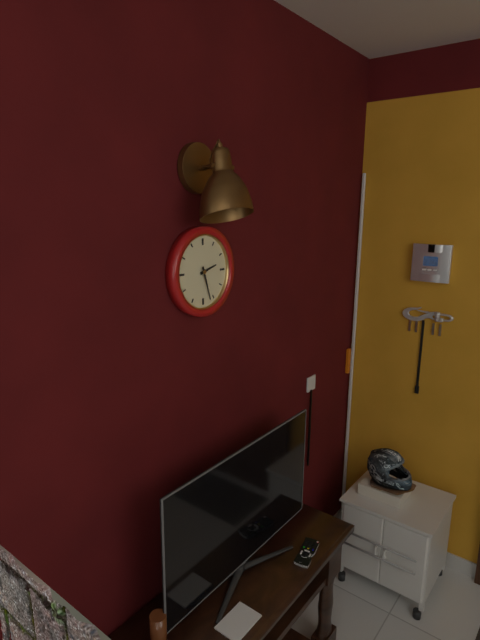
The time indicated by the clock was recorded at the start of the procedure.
2:27
